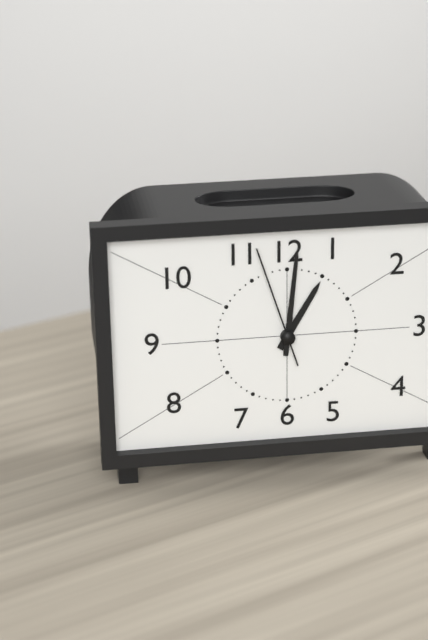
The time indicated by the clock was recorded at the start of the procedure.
1:01:57
